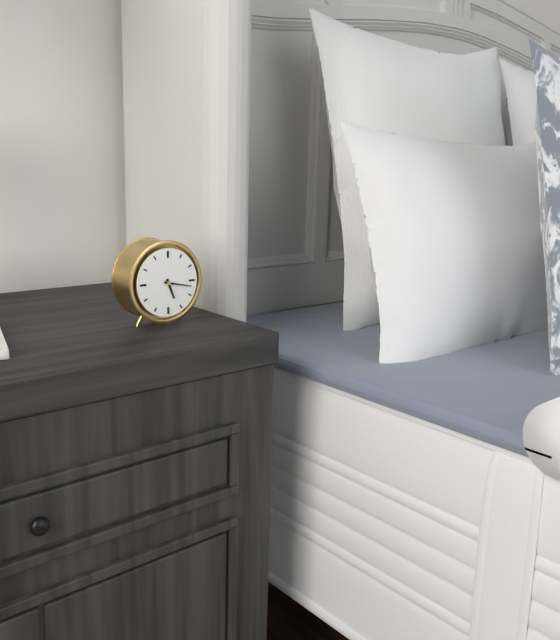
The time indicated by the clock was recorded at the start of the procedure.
5:17
